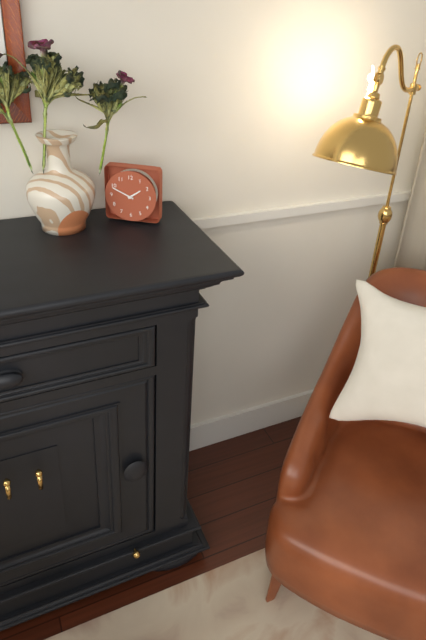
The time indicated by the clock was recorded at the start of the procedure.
1:49
